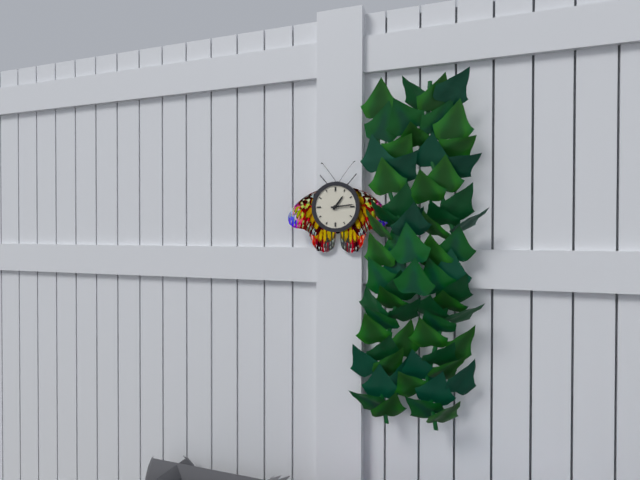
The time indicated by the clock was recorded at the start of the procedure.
1:14
